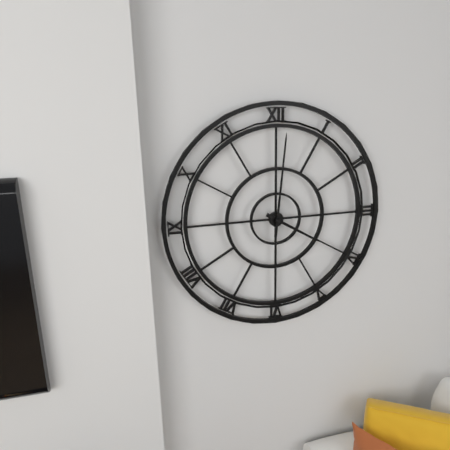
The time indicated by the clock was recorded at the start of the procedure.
4:01
